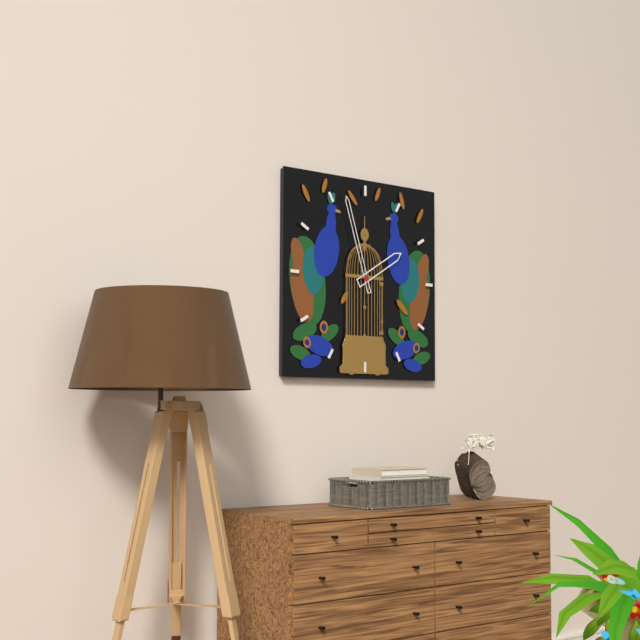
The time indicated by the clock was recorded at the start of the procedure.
1:57
